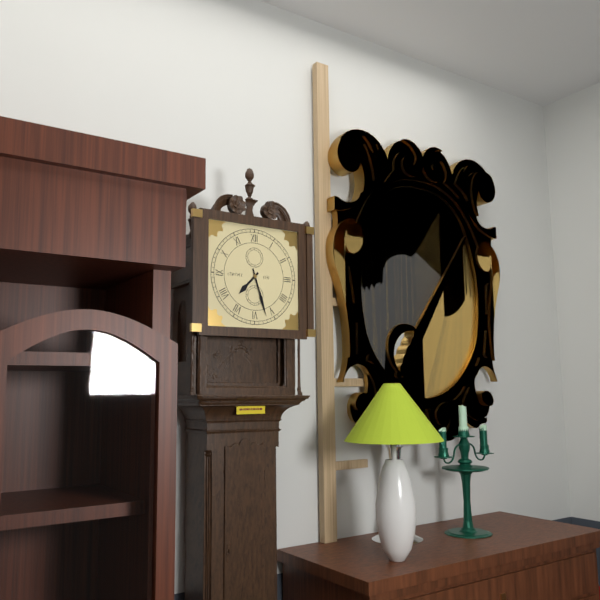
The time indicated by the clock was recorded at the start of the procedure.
7:27
